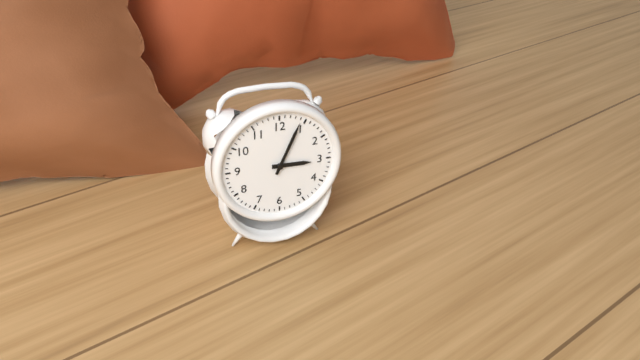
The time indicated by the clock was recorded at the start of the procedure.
3:04
